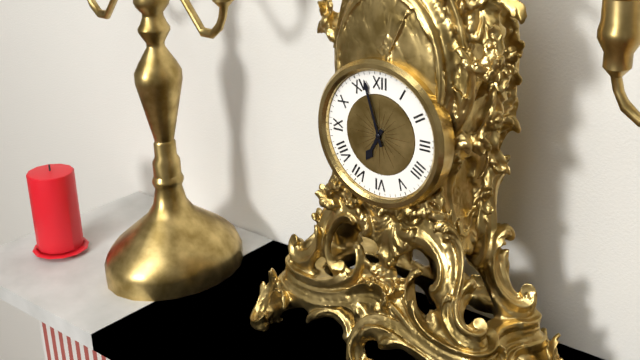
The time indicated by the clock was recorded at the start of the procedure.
6:57
